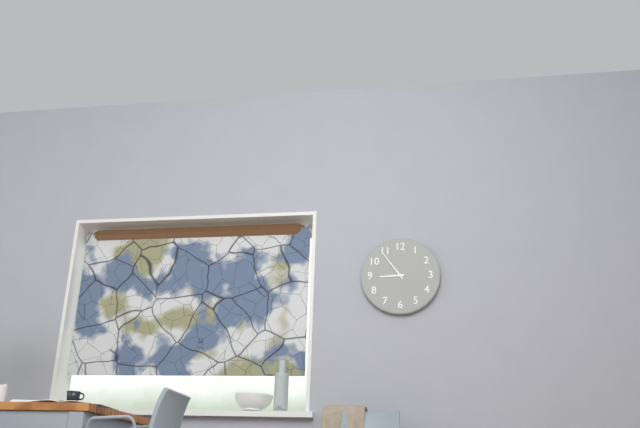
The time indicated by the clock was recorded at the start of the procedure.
8:54
